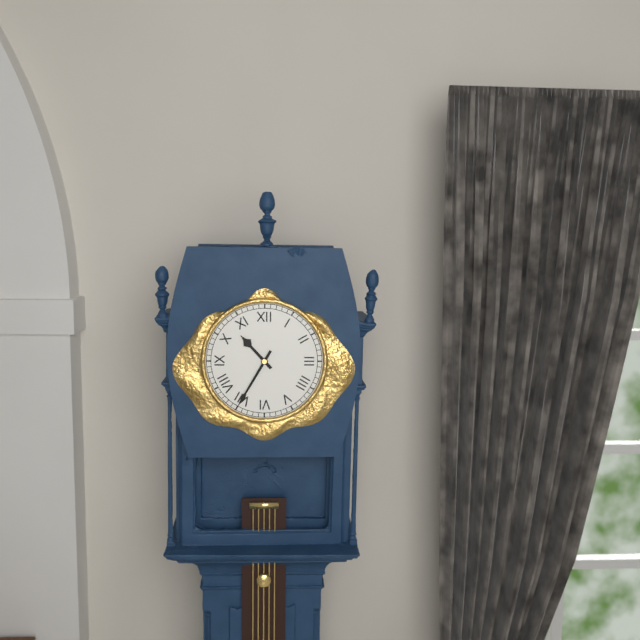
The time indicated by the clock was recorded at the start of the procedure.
10:35
